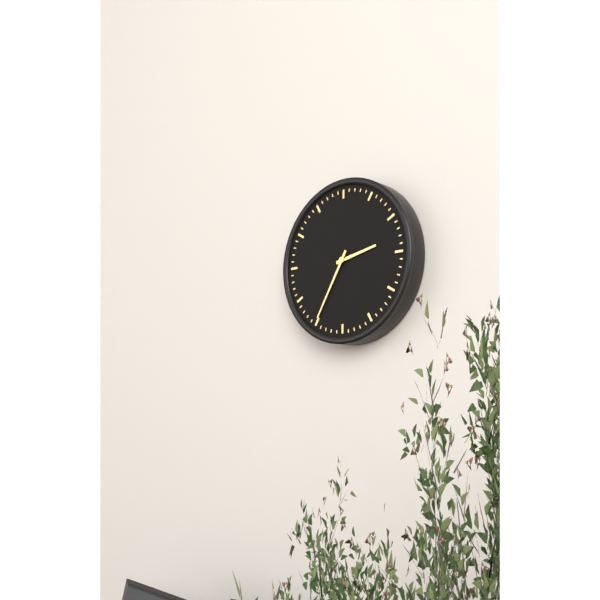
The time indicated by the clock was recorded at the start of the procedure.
2:35
